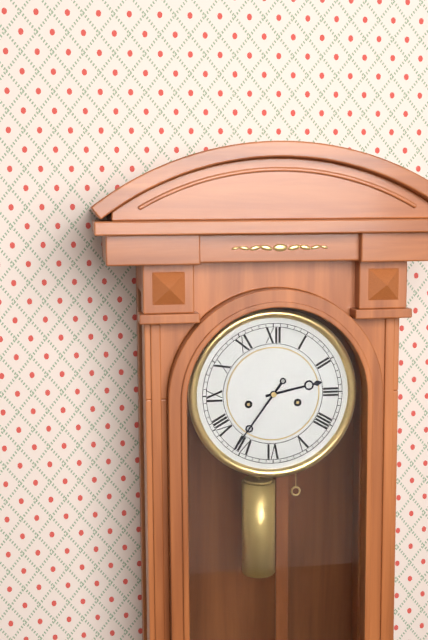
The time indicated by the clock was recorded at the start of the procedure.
2:36
